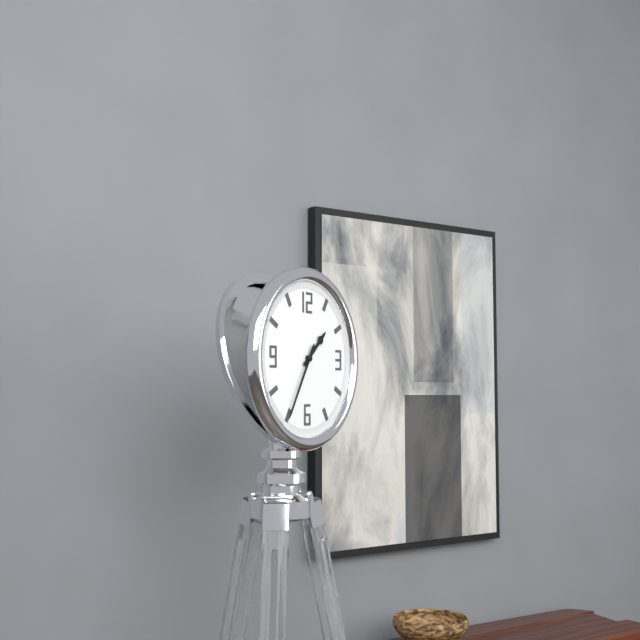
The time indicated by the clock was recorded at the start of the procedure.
1:35
